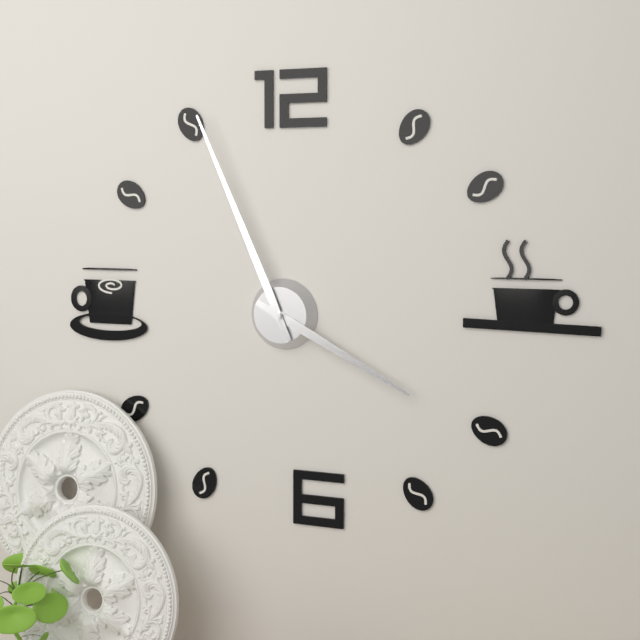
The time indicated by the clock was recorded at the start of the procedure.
3:56
